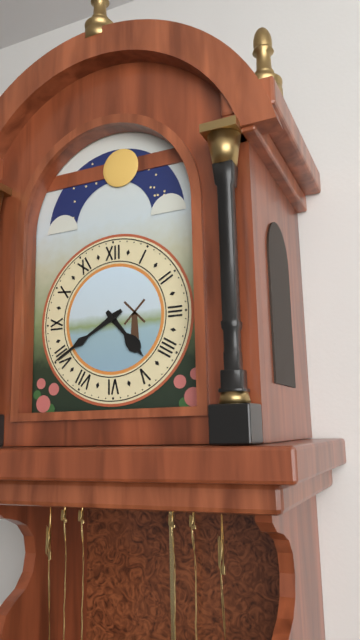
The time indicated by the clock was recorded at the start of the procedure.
4:40
